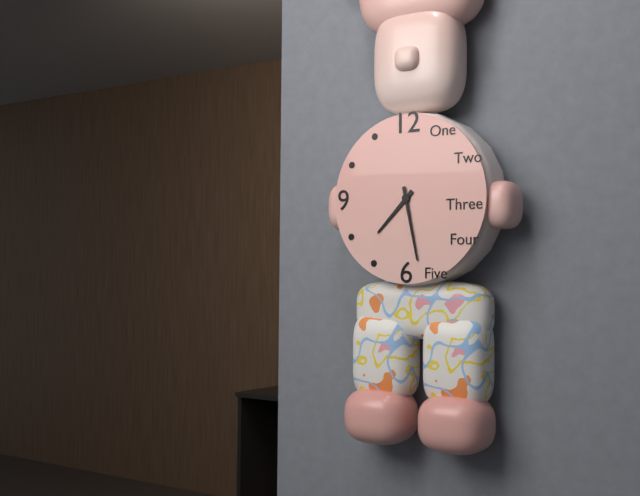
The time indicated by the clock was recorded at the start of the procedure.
7:28
